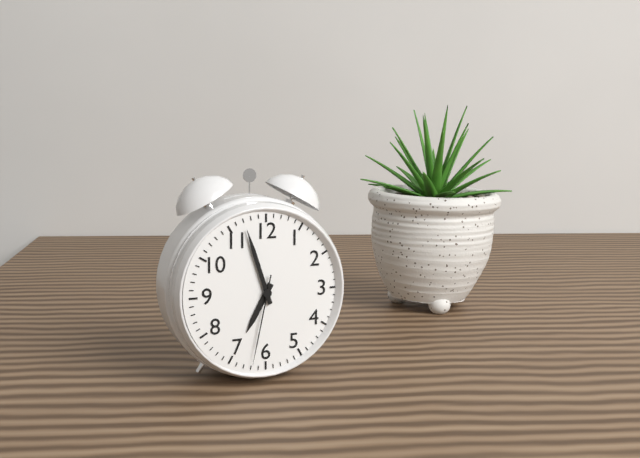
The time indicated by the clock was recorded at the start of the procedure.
6:57:32
